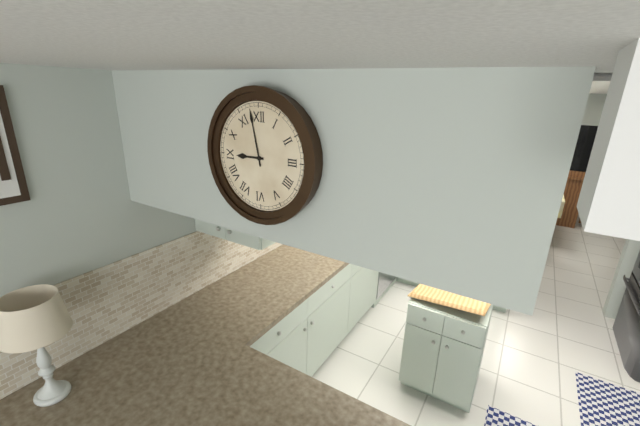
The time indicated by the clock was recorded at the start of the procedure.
8:58
